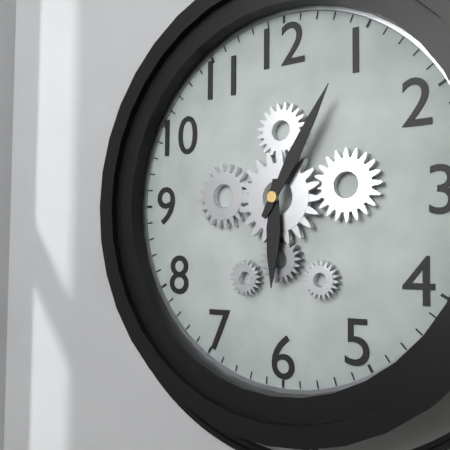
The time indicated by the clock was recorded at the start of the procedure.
6:05
